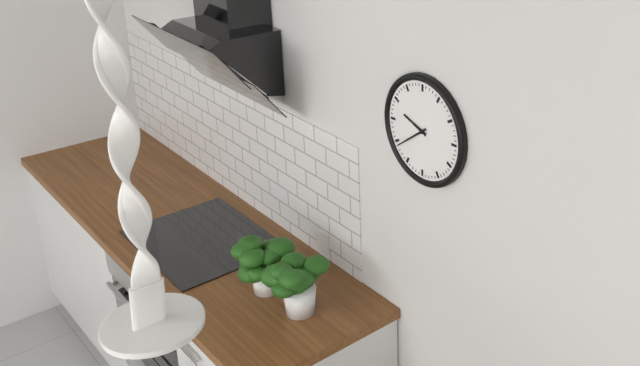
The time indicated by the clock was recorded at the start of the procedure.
9:39
